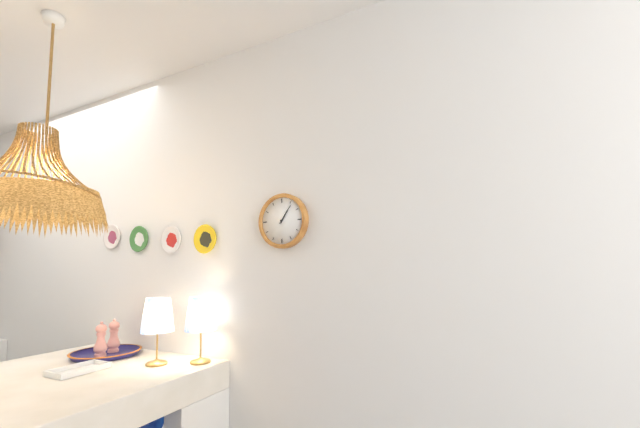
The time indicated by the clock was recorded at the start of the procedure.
1:06
